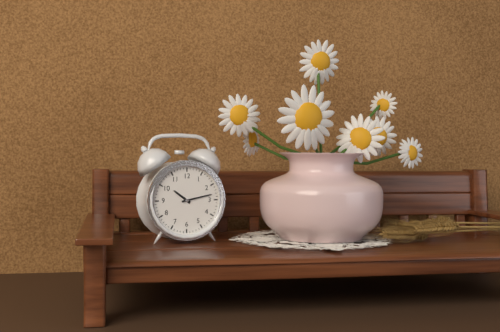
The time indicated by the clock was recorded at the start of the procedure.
10:13
